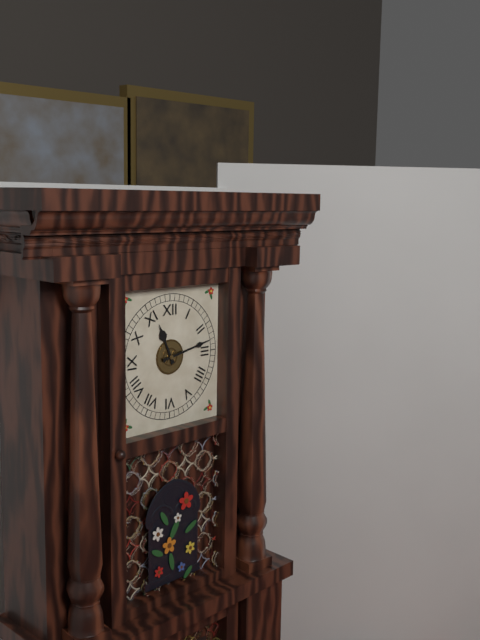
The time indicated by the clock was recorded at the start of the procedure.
11:13
